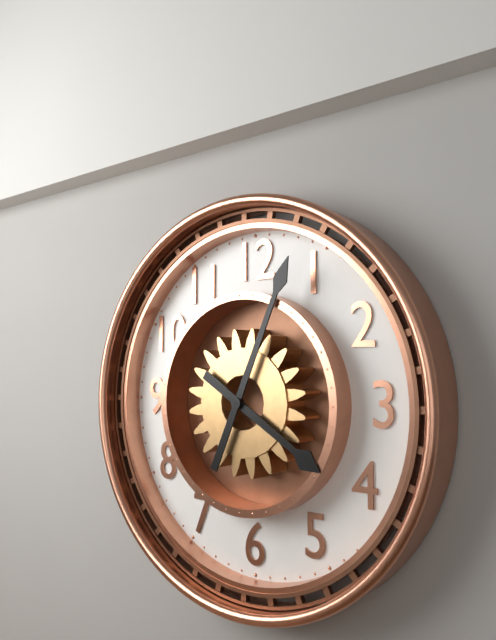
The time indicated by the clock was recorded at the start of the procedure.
4:04
